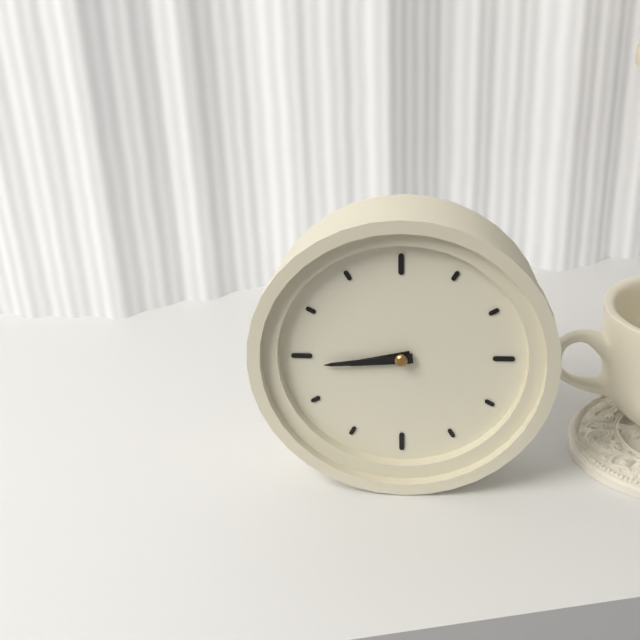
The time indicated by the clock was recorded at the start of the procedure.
8:44
